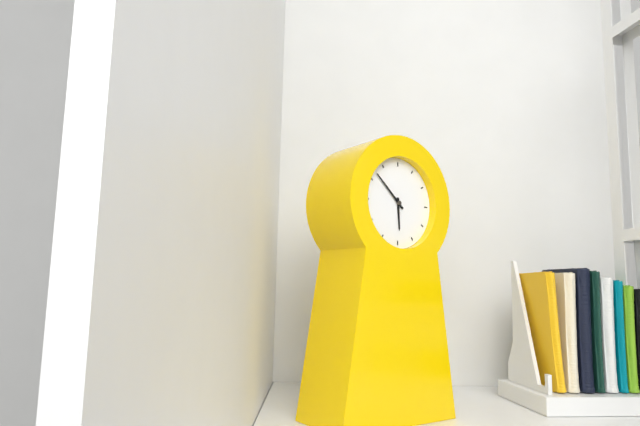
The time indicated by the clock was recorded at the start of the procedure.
5:52
